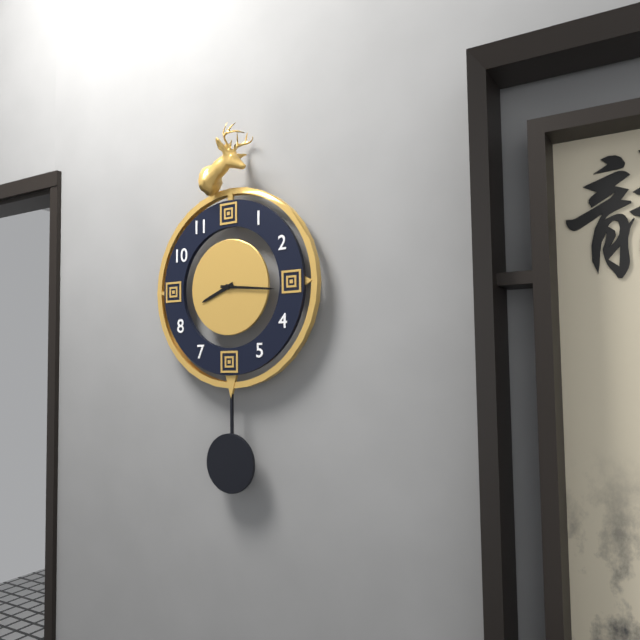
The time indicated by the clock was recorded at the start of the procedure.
8:16
